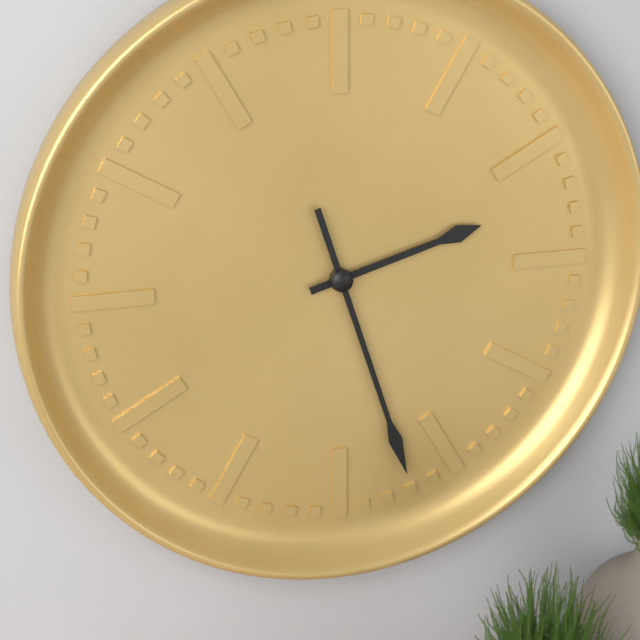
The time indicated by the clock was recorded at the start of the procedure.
2:27
